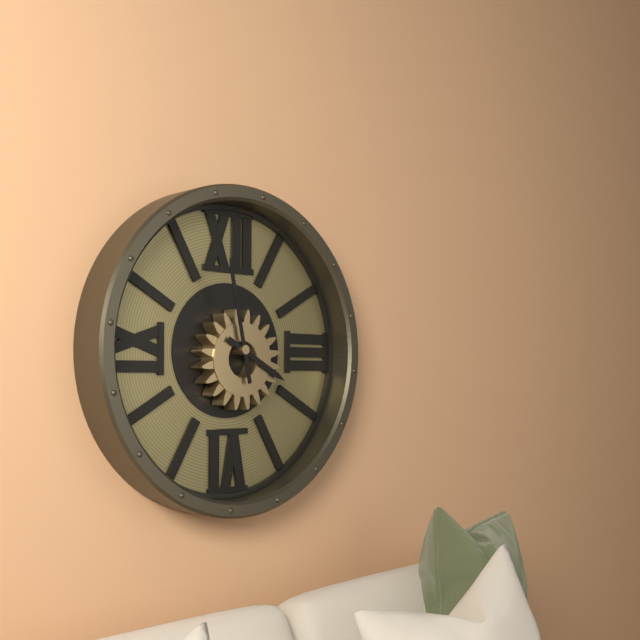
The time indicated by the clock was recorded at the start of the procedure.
3:58
